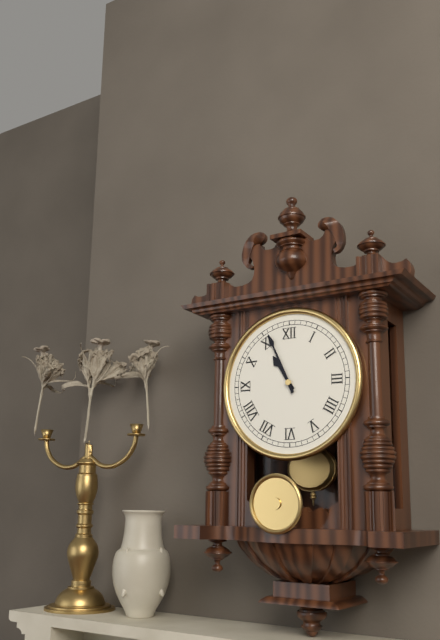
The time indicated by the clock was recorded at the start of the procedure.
10:56
